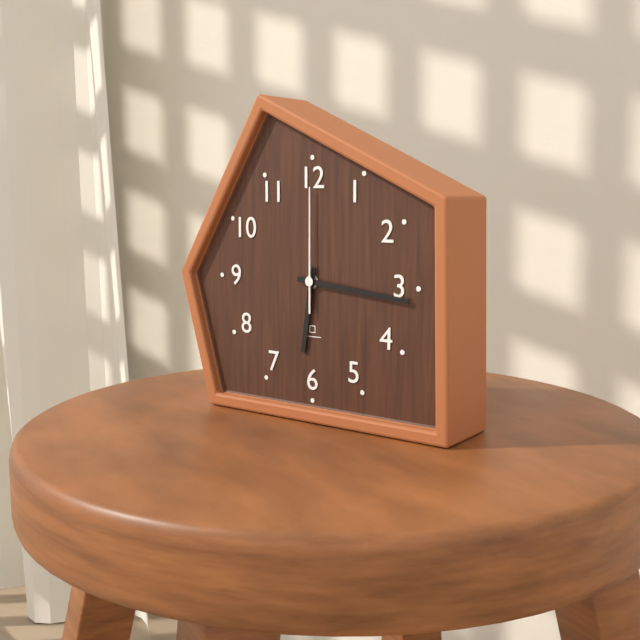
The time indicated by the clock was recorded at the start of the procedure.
6:16:00
